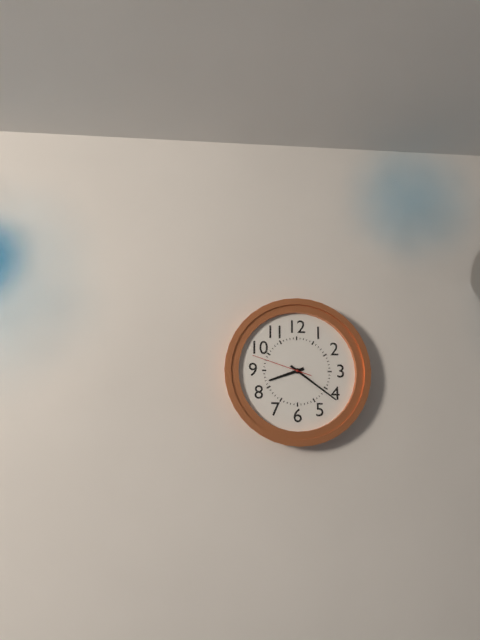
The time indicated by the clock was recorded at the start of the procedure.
8:21:48
